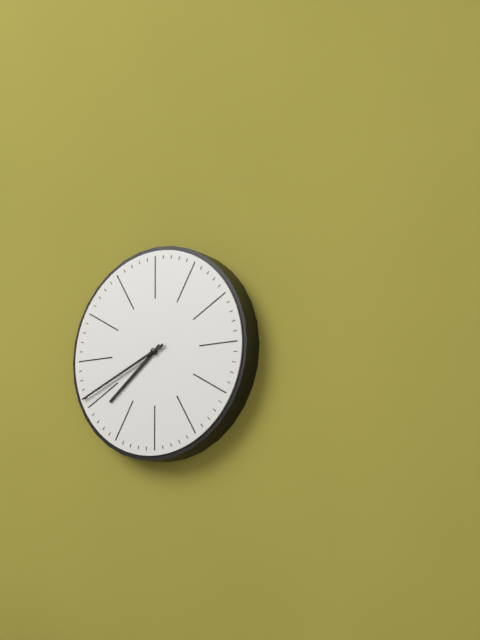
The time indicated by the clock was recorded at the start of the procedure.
7:41
